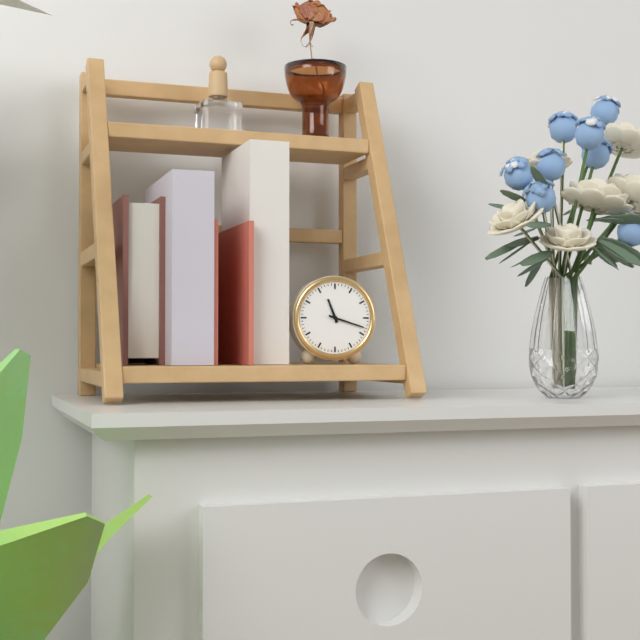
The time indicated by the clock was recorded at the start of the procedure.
11:18
